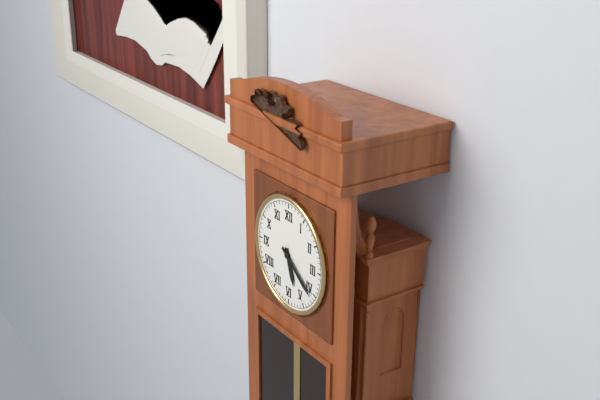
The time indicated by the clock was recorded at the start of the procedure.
5:21
